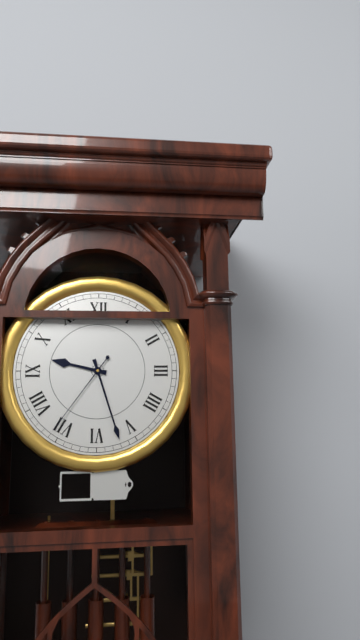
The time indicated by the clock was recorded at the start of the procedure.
9:27:36
